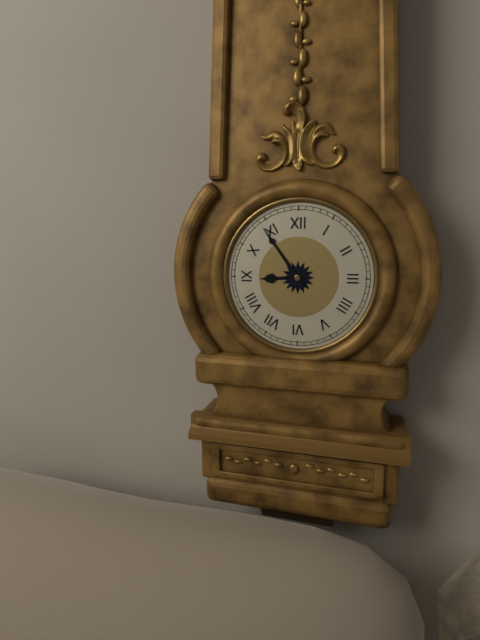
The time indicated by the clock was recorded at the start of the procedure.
8:54
